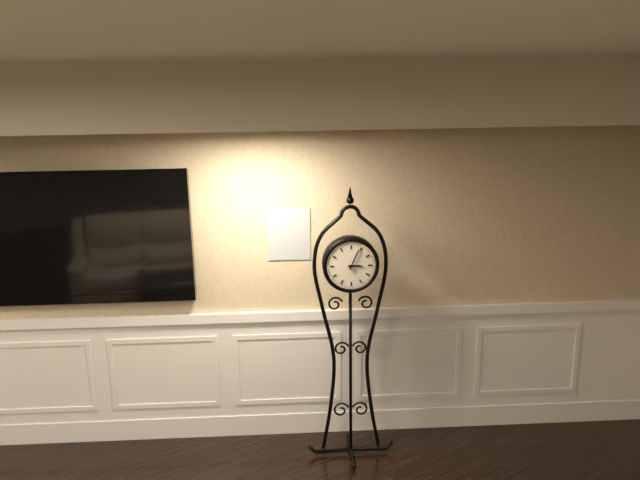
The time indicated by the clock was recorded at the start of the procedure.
3:04
